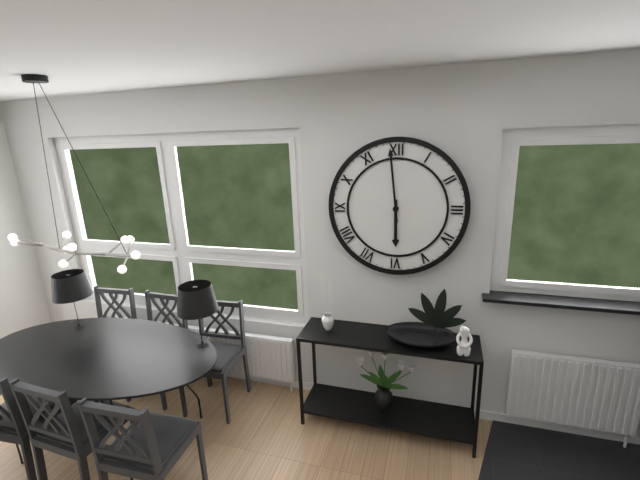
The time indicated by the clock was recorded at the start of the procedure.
5:59
